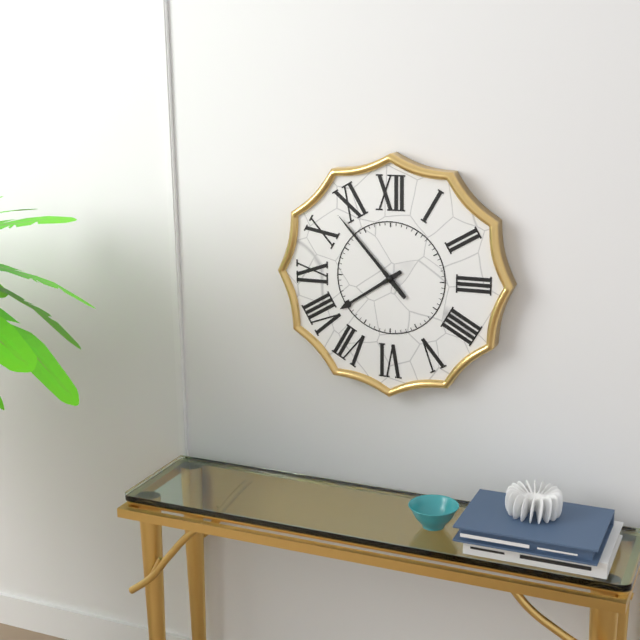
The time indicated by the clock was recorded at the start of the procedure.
7:53
